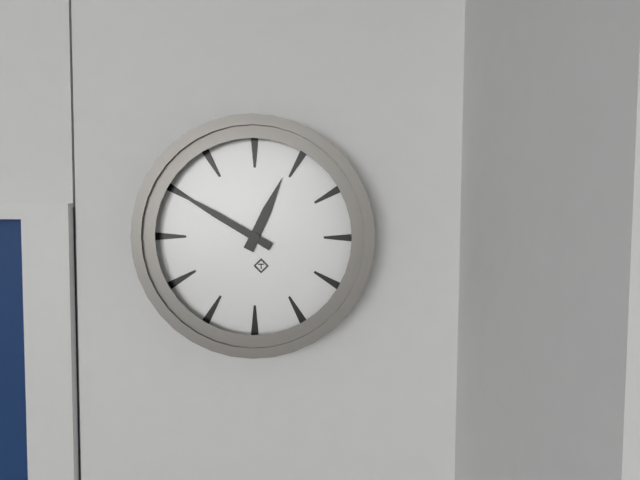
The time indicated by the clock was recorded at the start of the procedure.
12:50
